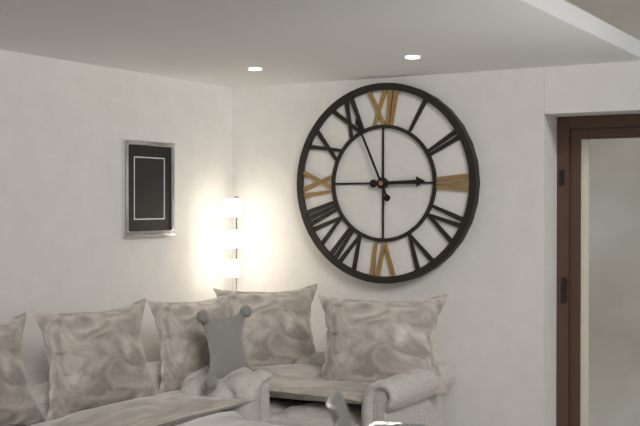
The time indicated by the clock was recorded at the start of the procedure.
2:56
